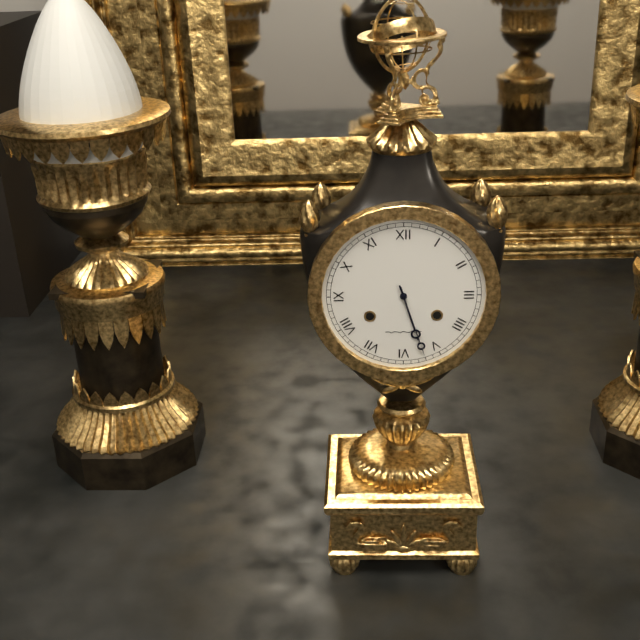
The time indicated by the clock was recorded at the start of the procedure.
5:27
